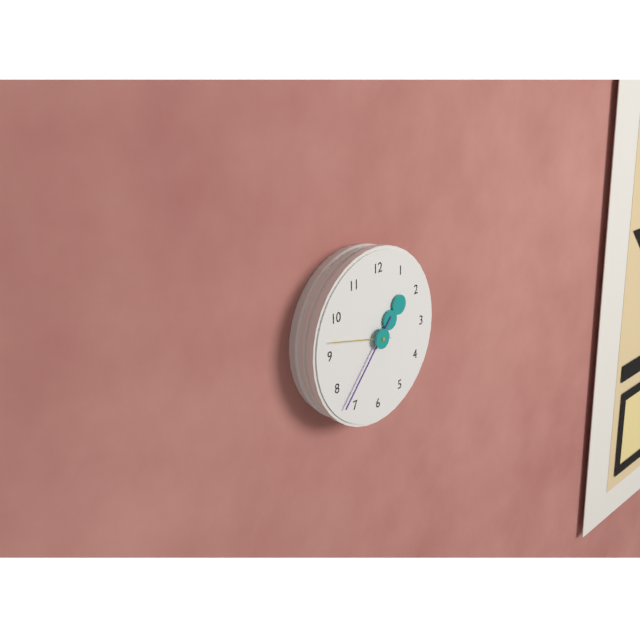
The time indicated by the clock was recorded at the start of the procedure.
1:37:47
